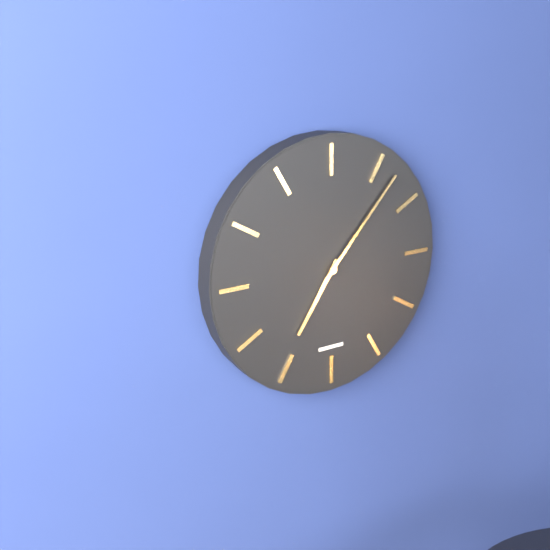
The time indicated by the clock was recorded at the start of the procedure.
7:07
